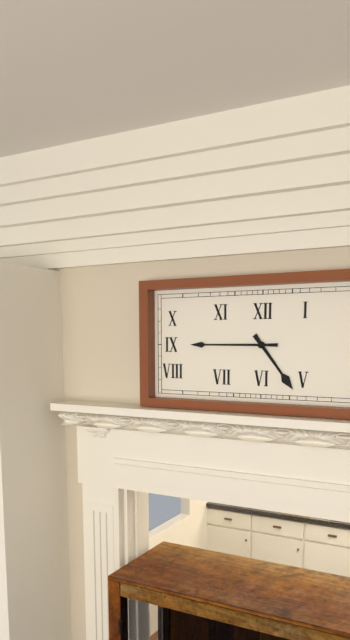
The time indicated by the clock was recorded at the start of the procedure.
4:45
